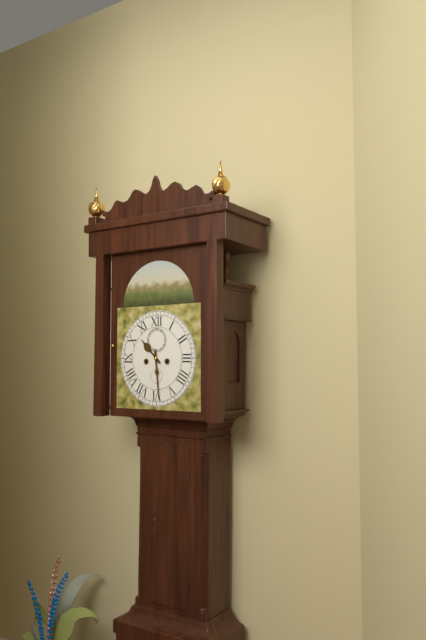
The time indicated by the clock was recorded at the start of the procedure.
10:29
